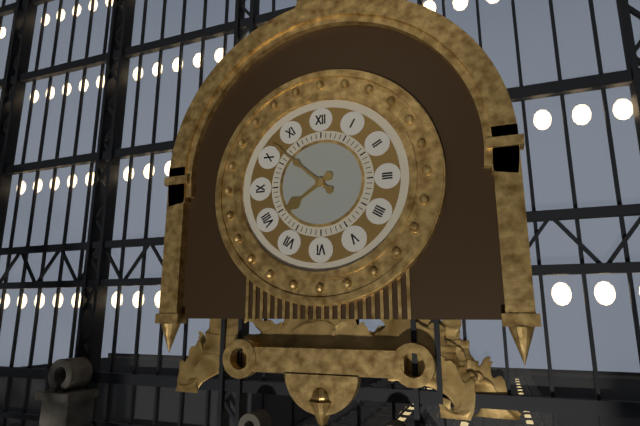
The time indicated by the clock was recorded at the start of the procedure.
7:52
